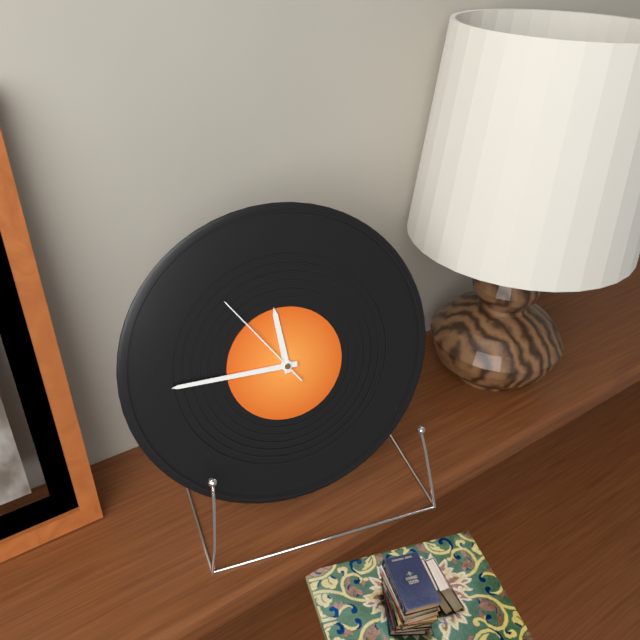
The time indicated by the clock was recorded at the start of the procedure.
11:45:54
